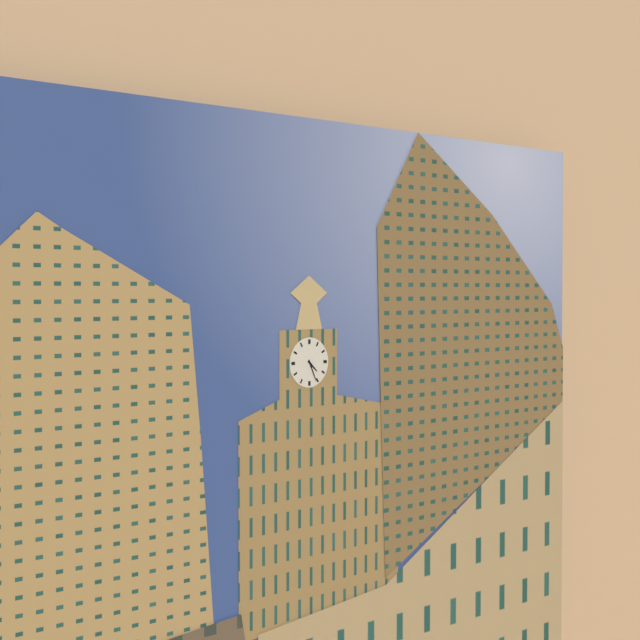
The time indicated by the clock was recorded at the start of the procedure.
4:26
